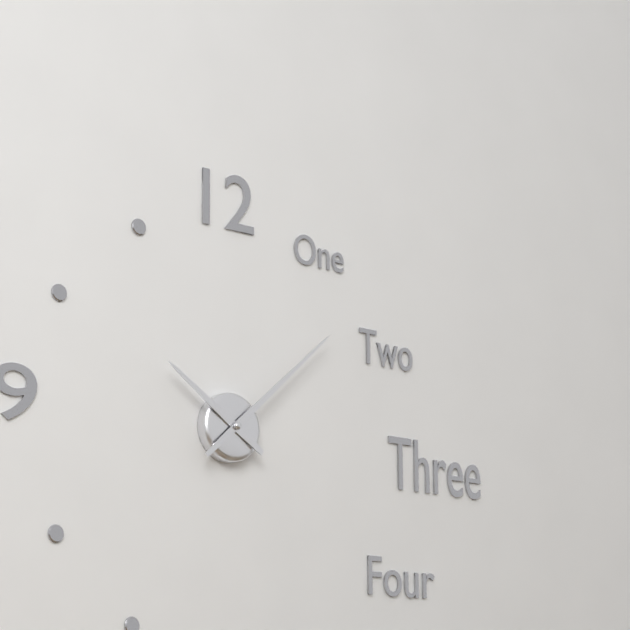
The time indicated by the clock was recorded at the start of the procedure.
10:08
